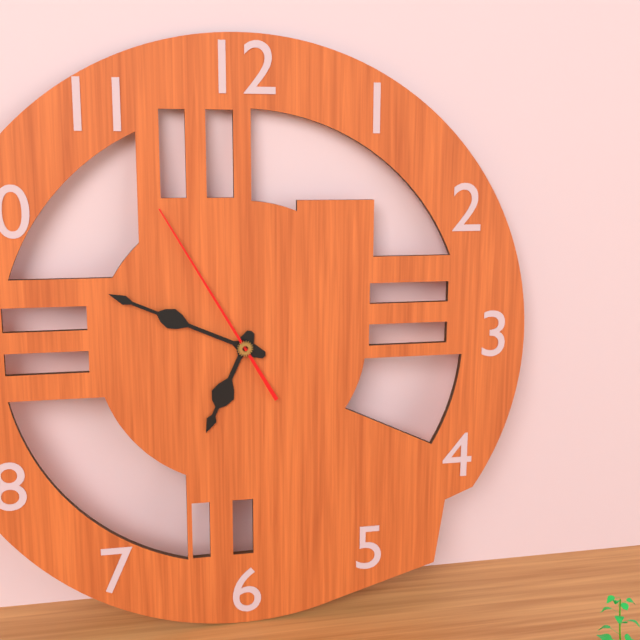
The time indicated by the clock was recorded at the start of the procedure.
6:49:55
